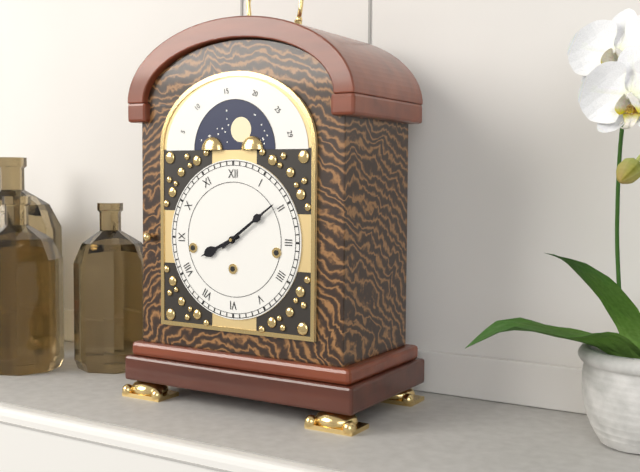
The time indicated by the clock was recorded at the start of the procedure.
8:09
